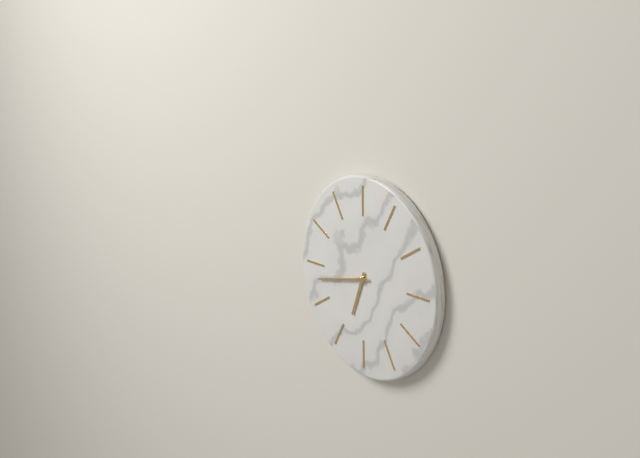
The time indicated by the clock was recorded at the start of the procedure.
6:43
